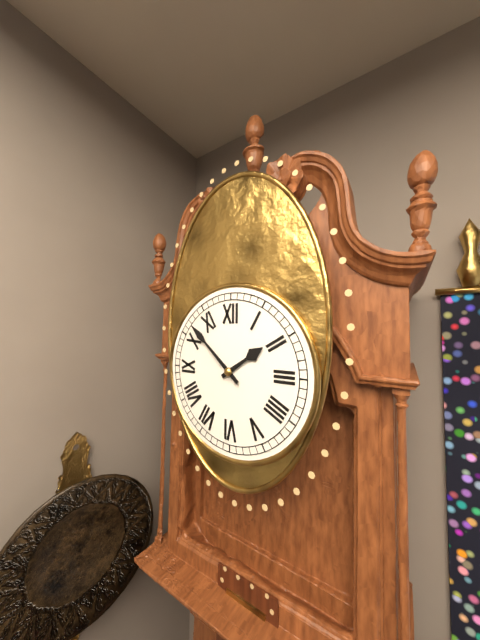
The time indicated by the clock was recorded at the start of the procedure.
1:52
